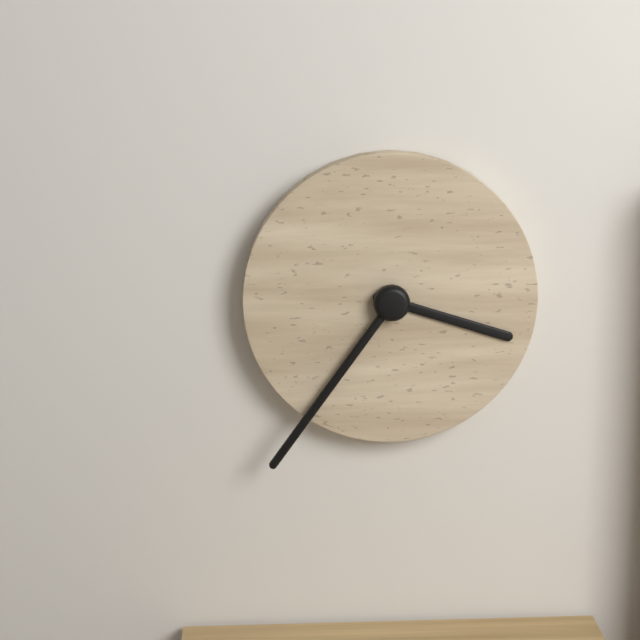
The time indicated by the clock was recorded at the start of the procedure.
3:36
